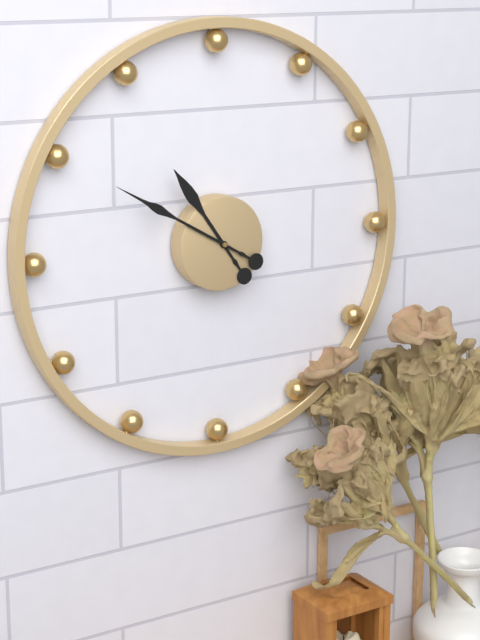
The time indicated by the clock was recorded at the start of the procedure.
10:50
